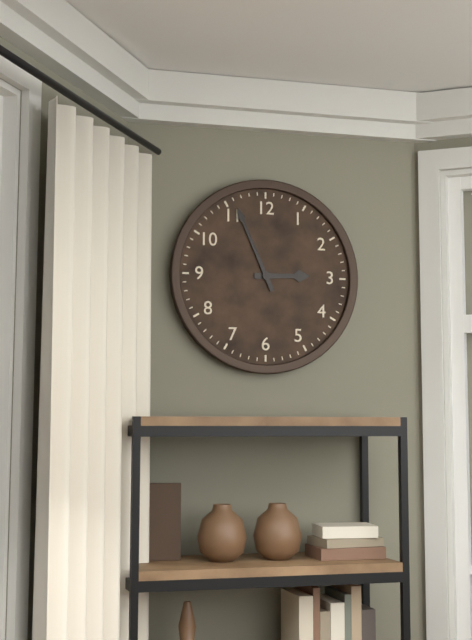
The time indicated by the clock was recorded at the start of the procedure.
2:56
